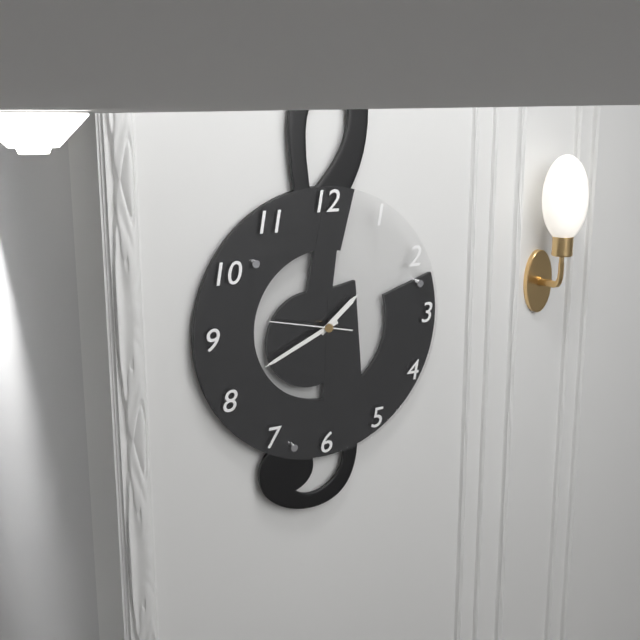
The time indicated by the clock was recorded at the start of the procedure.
1:41:47
